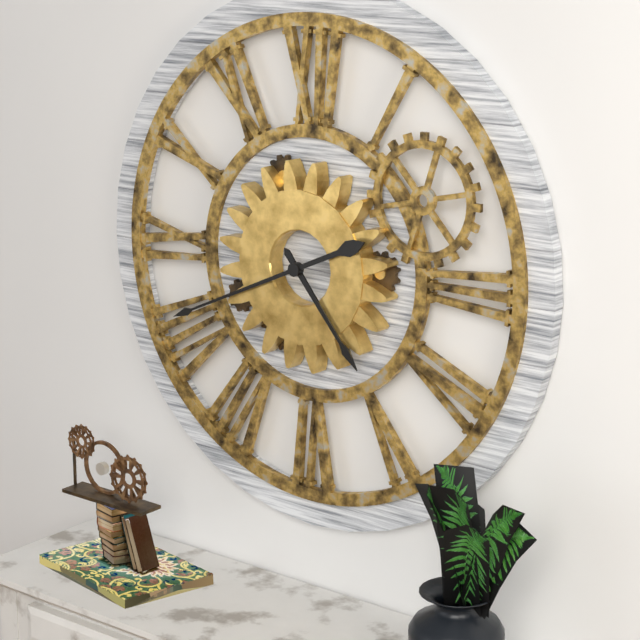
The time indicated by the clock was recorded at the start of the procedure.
4:41
